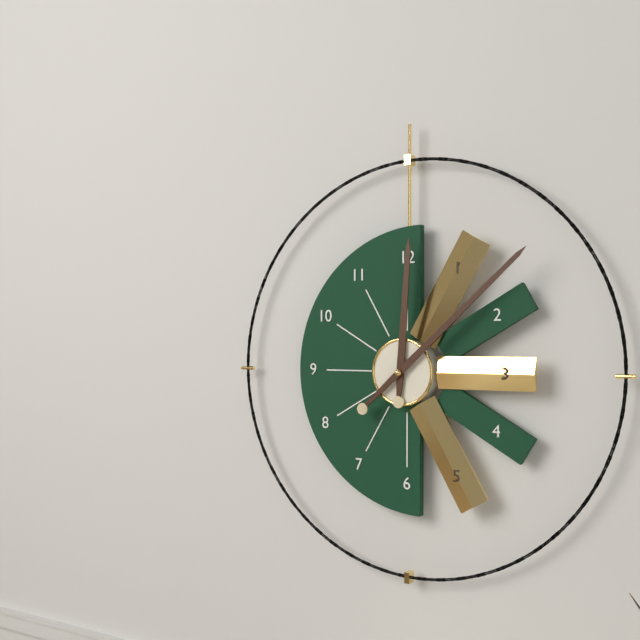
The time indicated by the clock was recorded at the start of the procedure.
12:08
